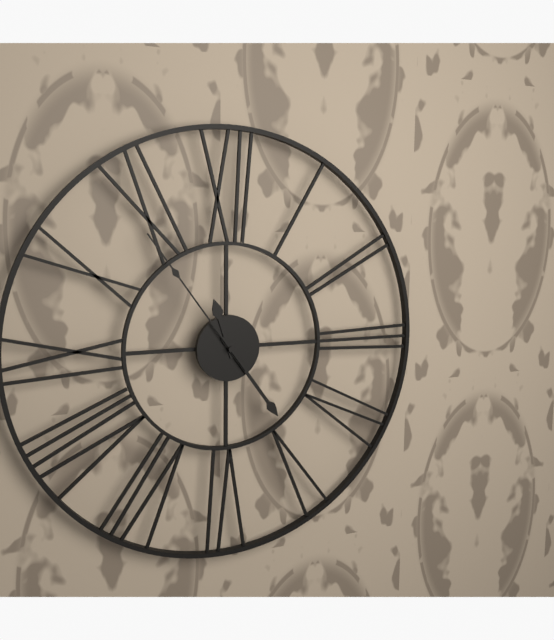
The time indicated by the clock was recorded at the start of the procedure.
11:24:54
